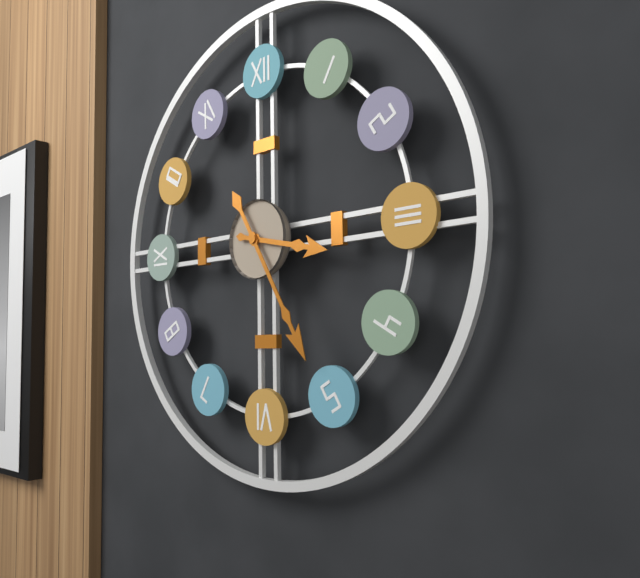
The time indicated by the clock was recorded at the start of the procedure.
3:25
